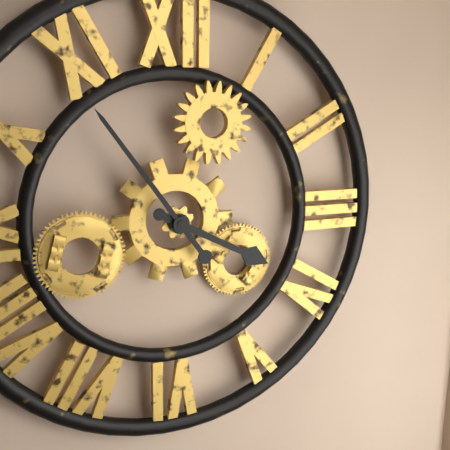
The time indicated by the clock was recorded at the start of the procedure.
3:54
